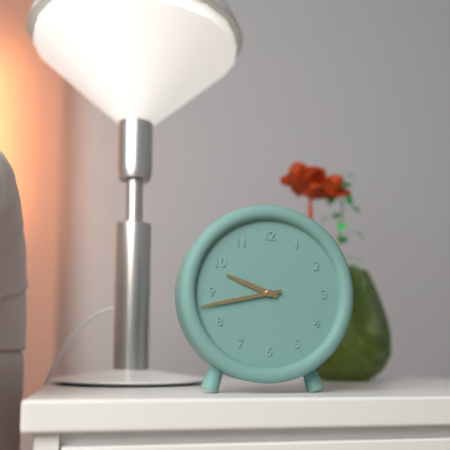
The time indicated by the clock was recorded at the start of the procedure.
9:43
